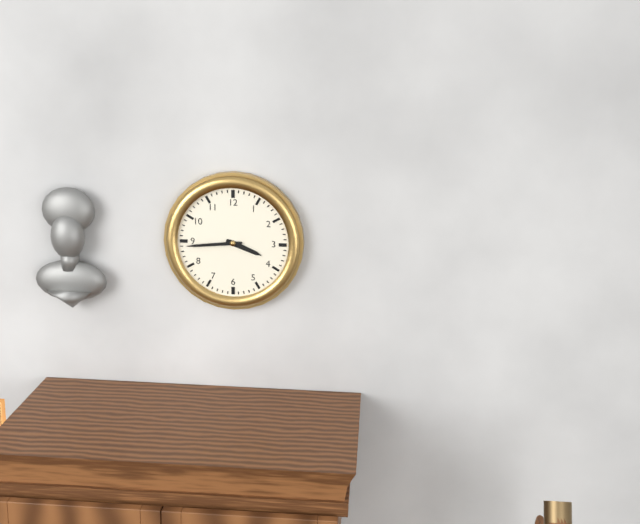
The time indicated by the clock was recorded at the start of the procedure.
3:44
